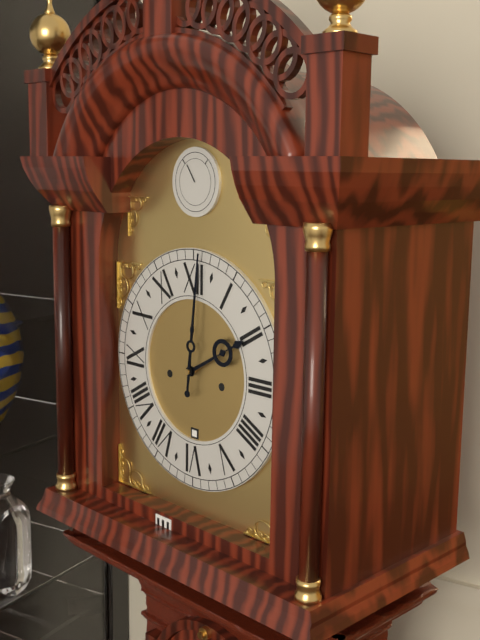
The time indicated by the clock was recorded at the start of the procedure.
2:01
